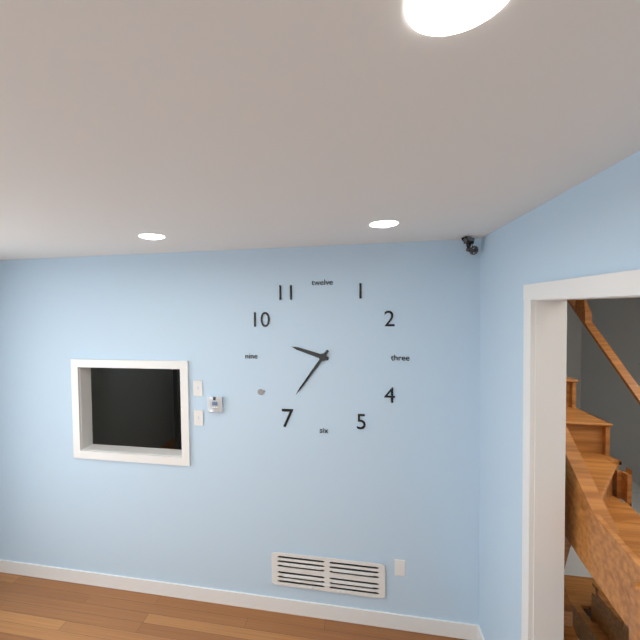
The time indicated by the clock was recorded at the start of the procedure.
9:36
